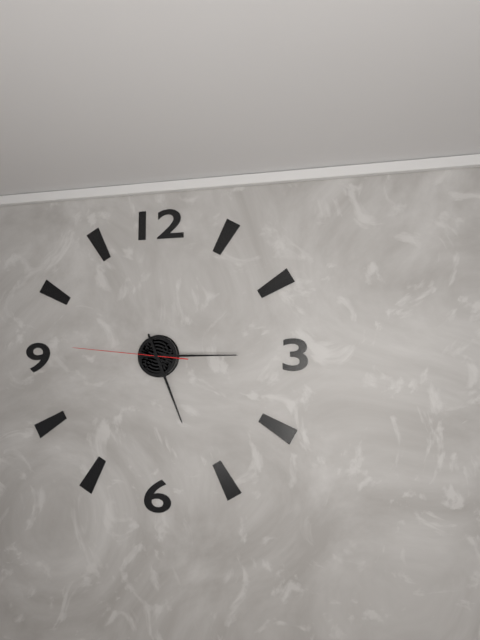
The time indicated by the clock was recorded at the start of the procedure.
5:15:46
